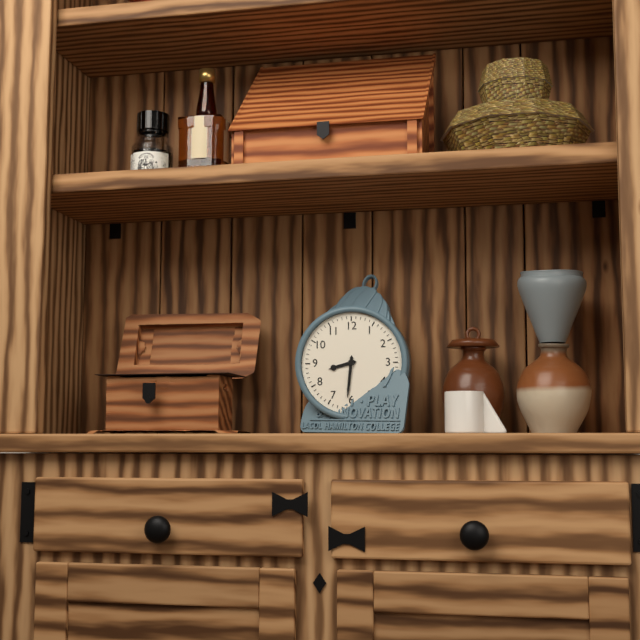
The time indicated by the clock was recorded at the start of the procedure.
8:31
